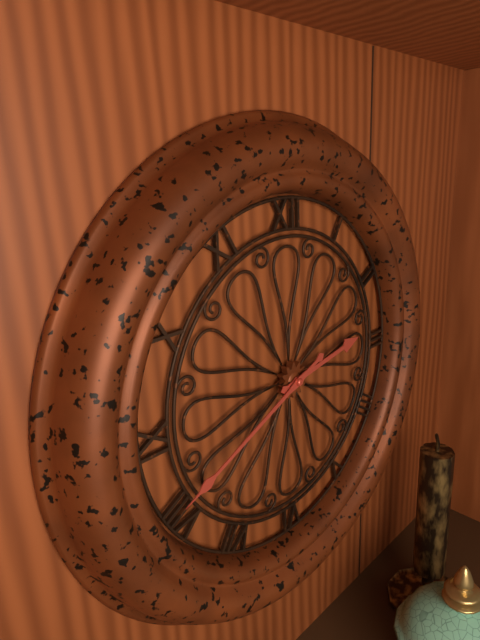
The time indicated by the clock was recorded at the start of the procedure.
2:41
